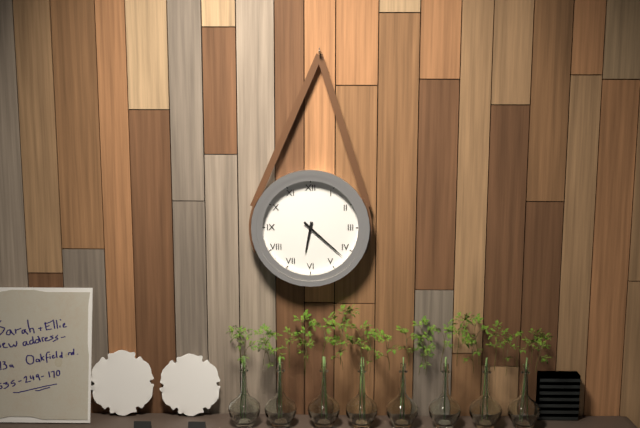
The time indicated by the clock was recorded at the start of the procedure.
6:22
